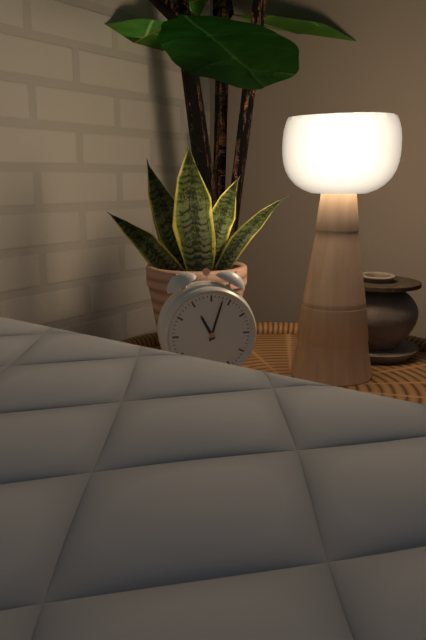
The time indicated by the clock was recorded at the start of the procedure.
11:03
